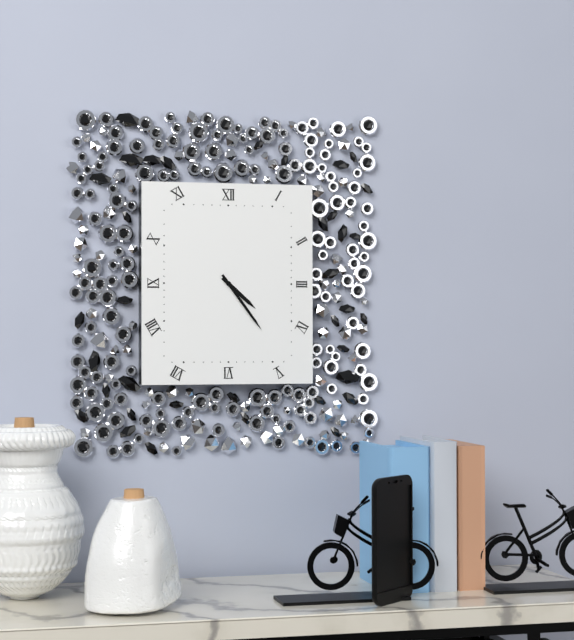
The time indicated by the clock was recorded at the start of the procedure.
4:24
